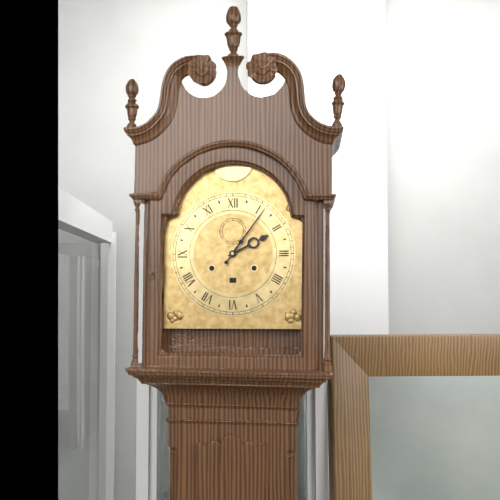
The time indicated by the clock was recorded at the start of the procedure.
2:06
